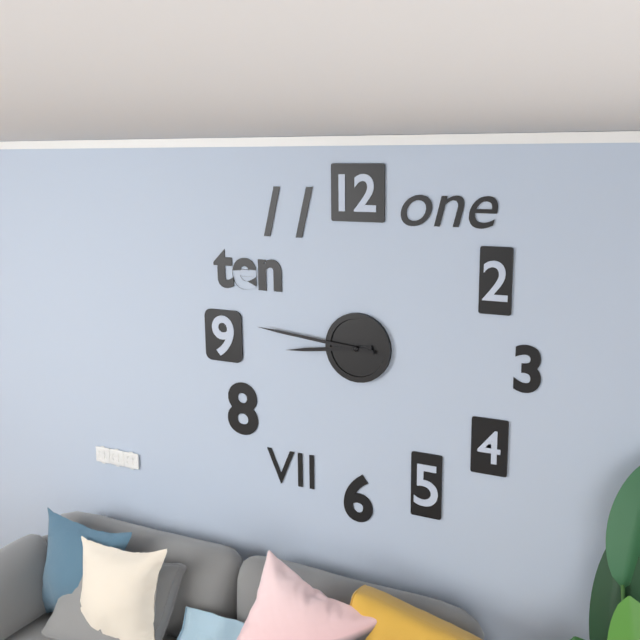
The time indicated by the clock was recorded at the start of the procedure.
8:46
